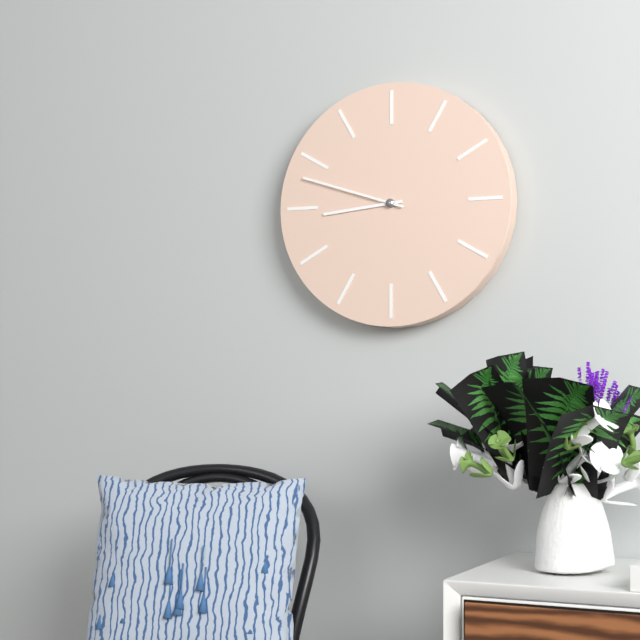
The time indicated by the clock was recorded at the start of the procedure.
8:48
